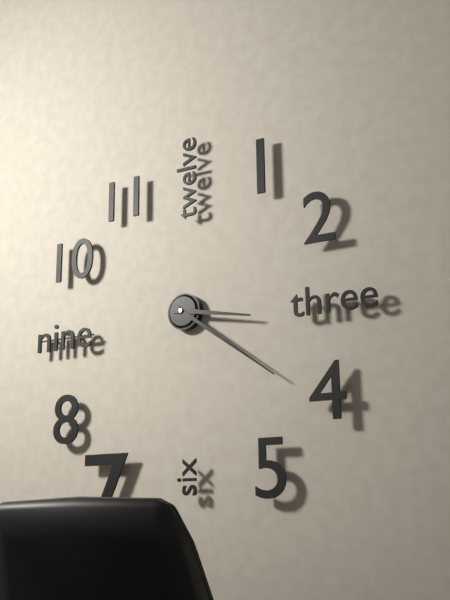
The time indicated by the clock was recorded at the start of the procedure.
3:21
